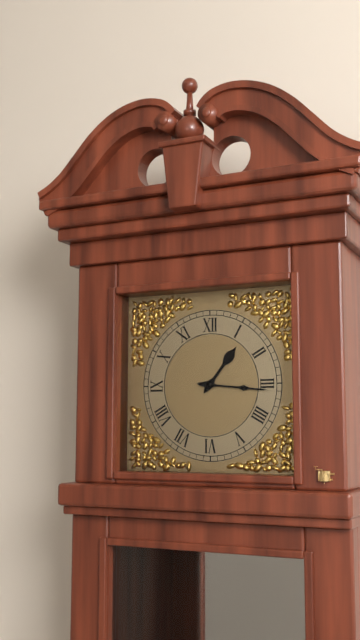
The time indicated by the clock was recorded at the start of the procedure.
1:16
